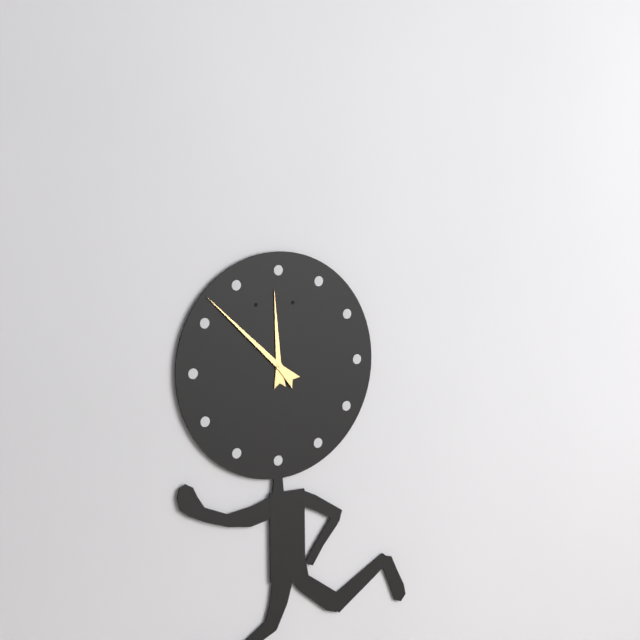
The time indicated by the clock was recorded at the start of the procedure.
11:52
